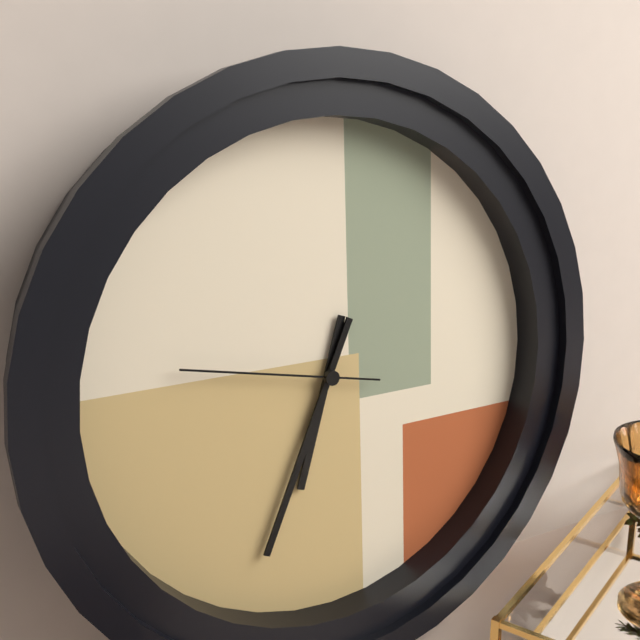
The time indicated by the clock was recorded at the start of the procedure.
6:34:47
